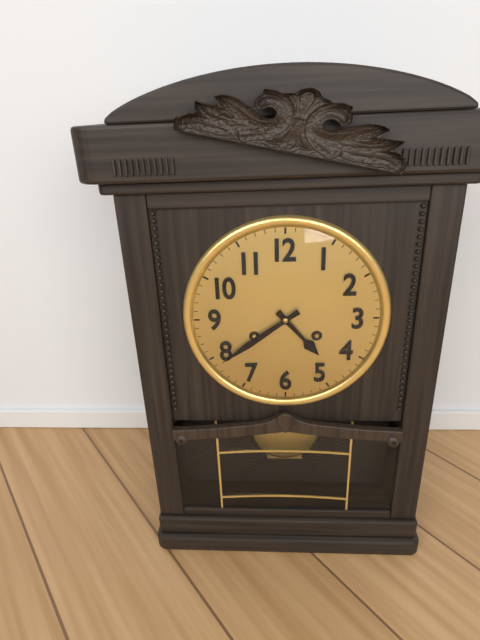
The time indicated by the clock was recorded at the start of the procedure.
4:39
